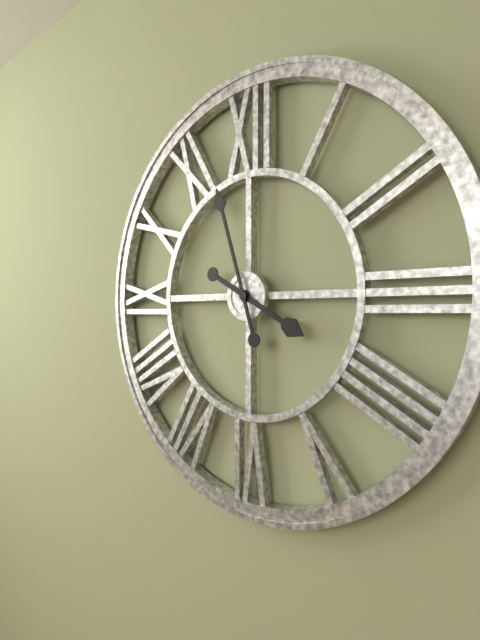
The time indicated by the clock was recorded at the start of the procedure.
3:57
